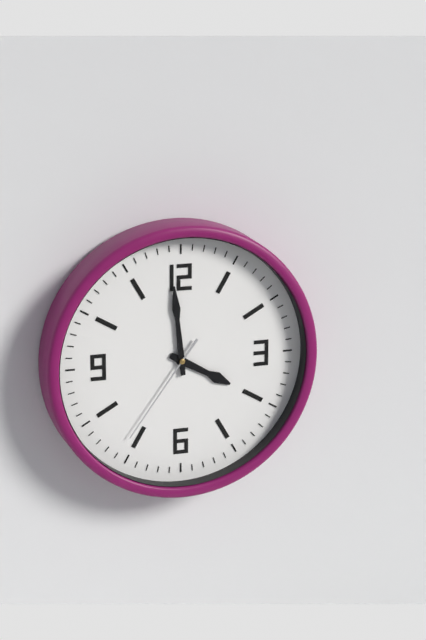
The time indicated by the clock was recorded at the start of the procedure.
3:59:36
